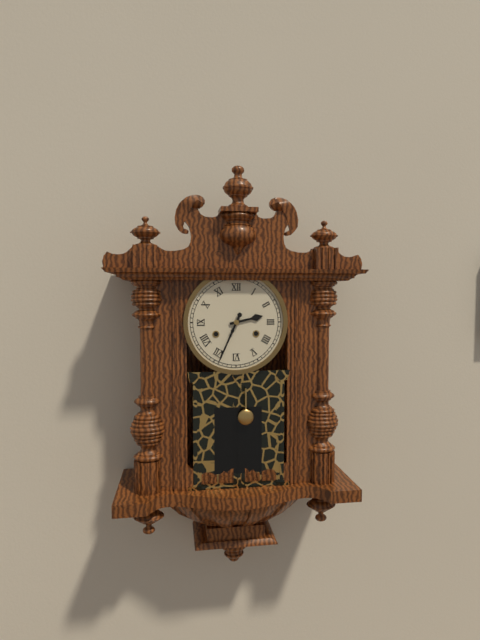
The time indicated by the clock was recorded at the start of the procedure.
2:34
